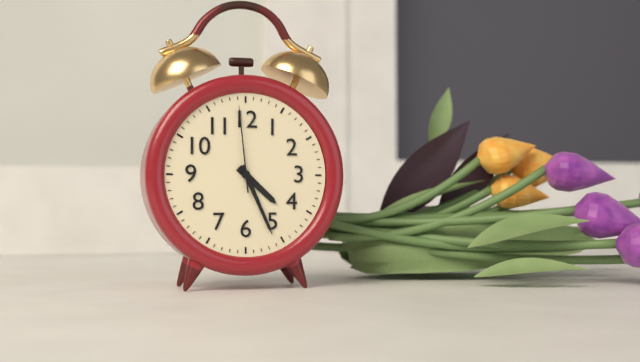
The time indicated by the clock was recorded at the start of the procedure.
4:26:59
